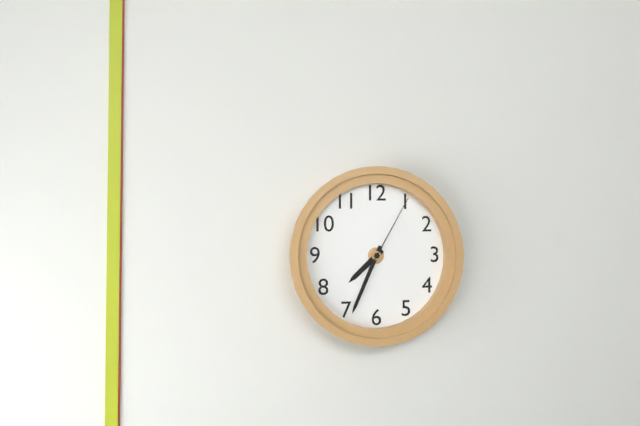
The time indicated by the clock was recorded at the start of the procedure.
7:34:05
